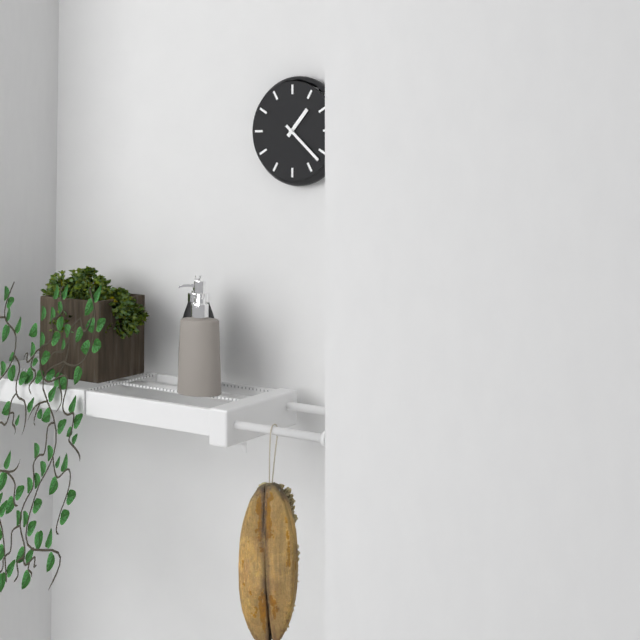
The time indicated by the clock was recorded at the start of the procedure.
1:22
